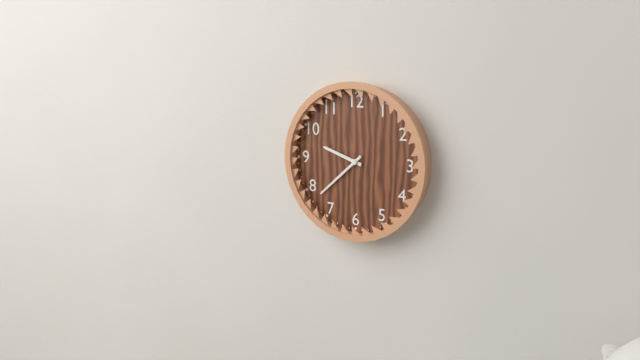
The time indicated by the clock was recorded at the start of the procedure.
9:38
